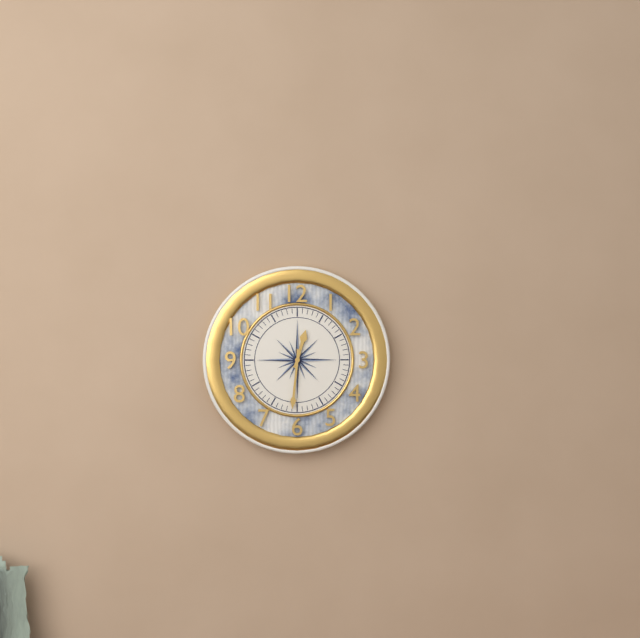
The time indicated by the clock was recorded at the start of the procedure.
12:31
